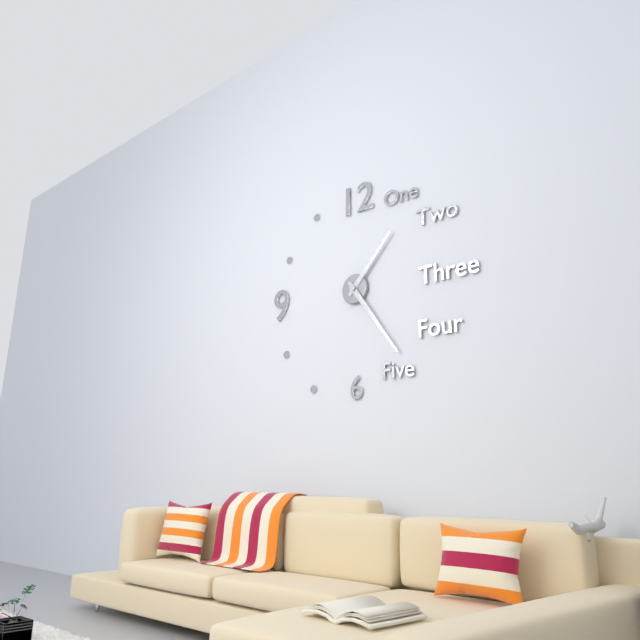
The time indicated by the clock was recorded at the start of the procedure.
1:24
